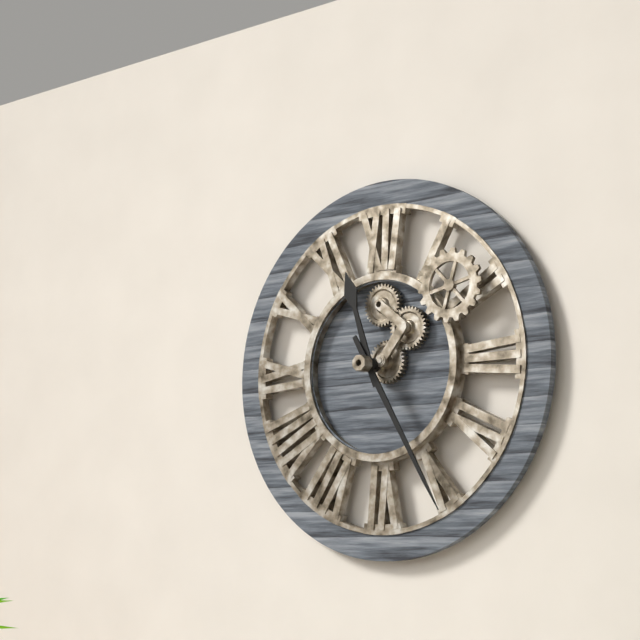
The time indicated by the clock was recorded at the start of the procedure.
11:25
